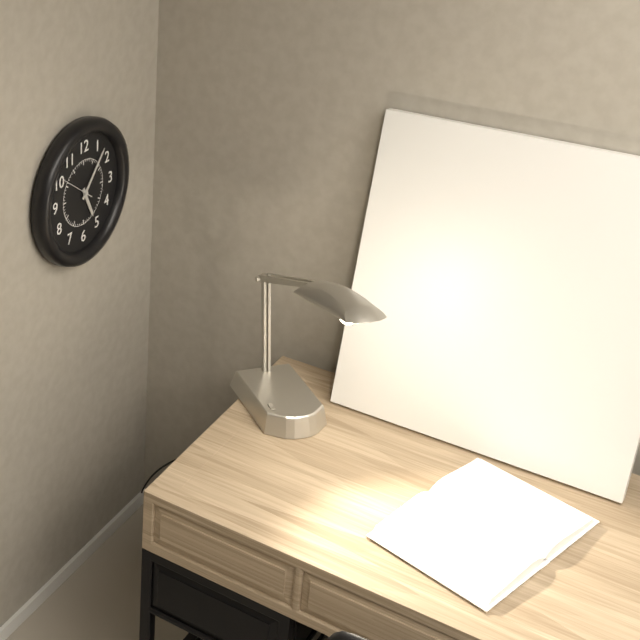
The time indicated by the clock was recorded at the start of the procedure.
5:07
